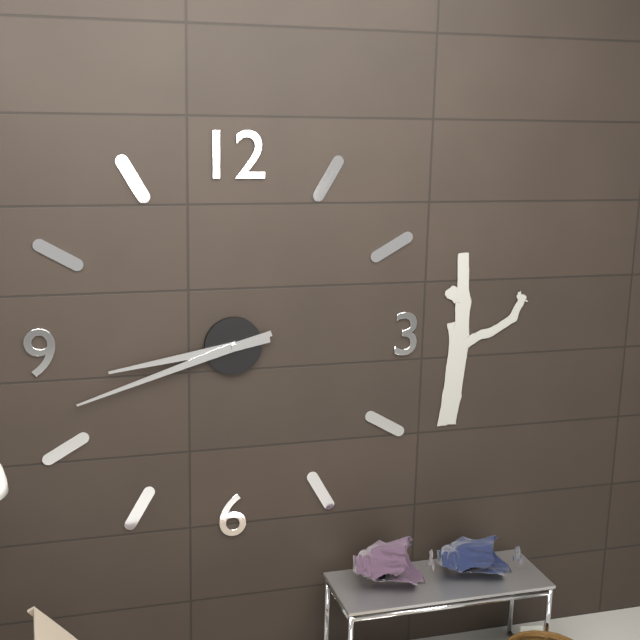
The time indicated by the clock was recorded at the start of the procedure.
8:42
